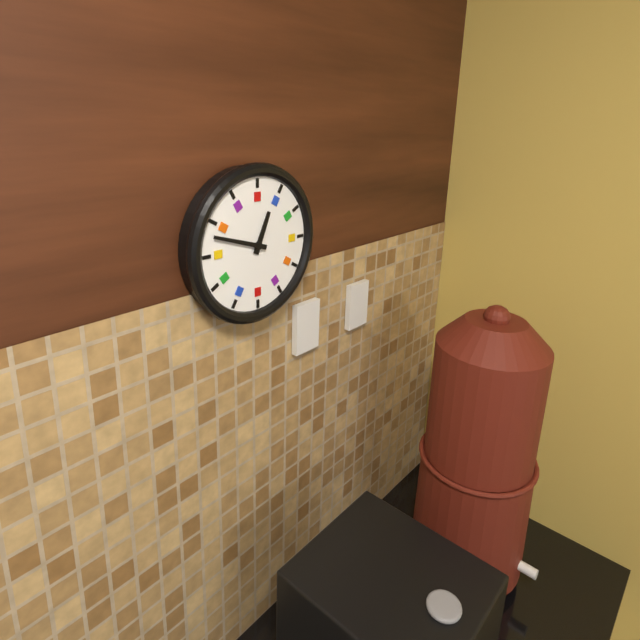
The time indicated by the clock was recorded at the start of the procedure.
12:48
